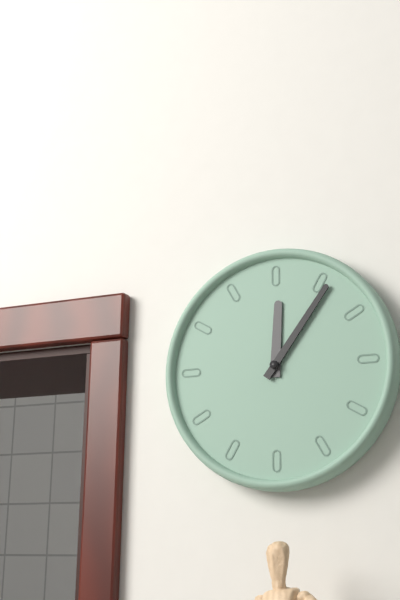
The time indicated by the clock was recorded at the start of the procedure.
12:06
